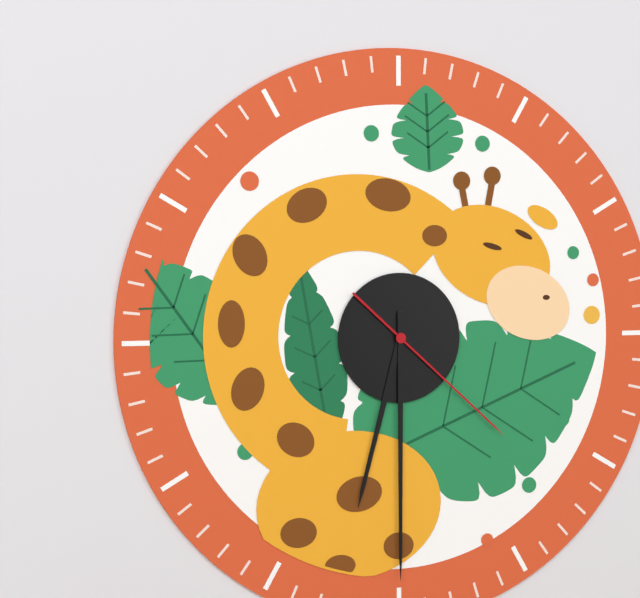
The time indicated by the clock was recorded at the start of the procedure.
6:30:22
